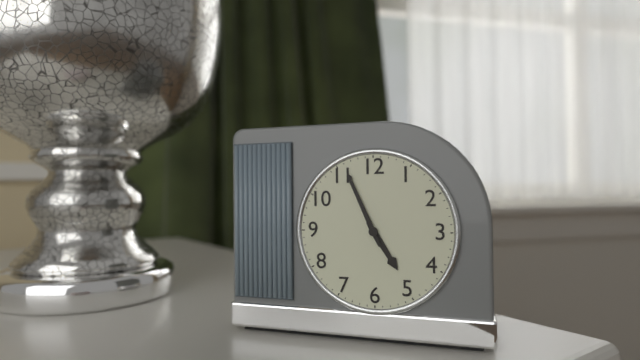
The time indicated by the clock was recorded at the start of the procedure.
4:56
